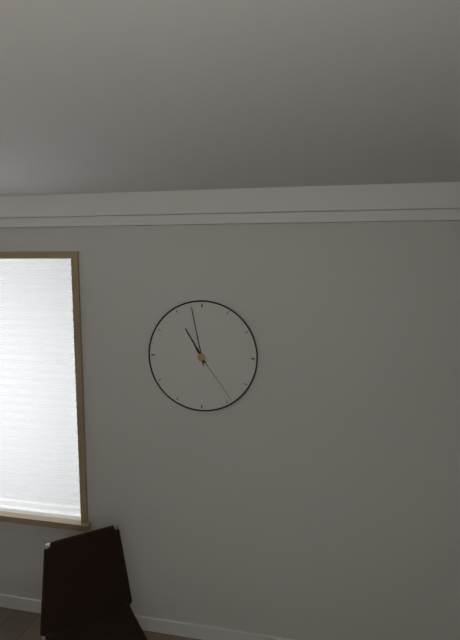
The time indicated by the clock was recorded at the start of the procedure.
10:58:24
